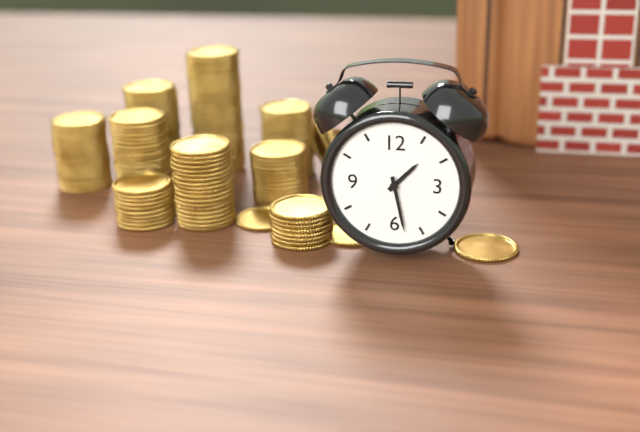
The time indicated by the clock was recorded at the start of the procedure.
1:28
